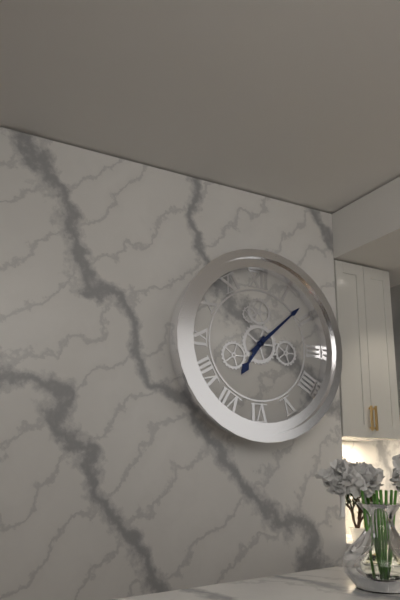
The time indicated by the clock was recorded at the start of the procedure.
7:08
